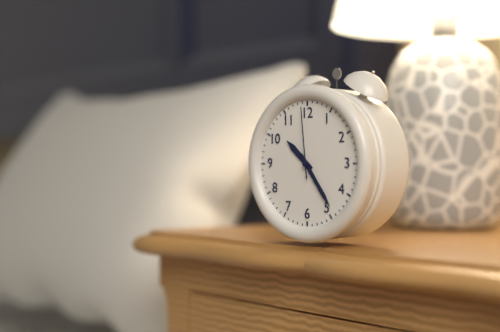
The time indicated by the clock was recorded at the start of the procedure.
10:24:59
